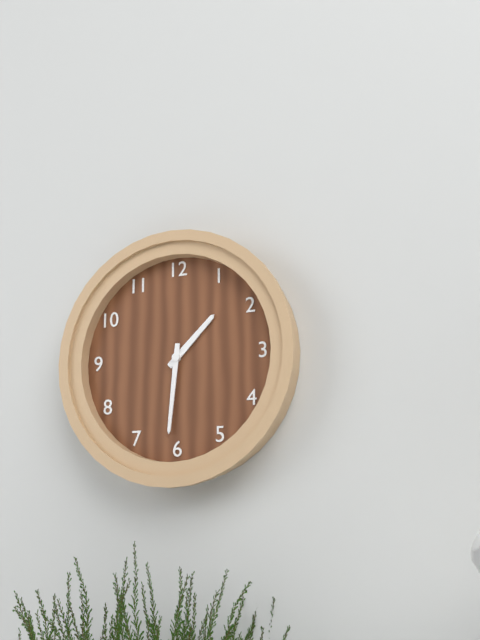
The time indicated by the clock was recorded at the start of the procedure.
1:31
